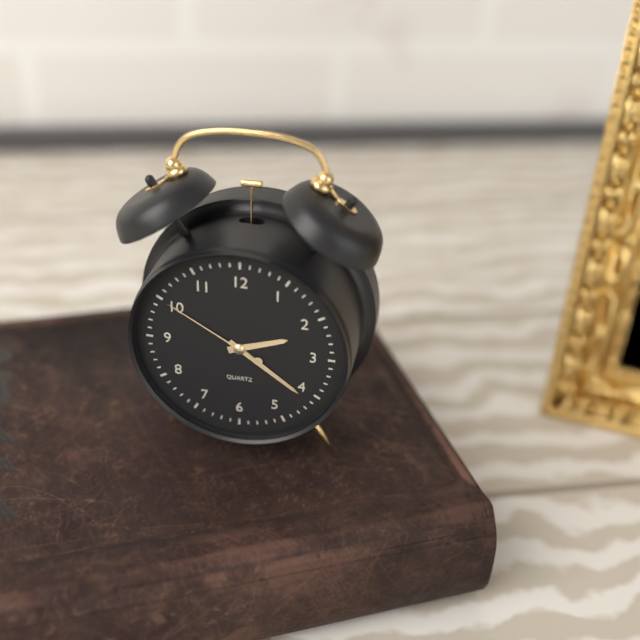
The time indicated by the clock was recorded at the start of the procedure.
2:21:50
